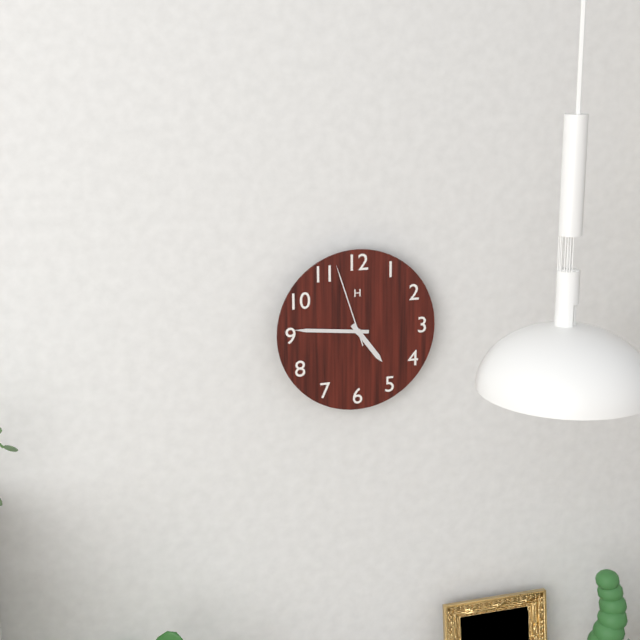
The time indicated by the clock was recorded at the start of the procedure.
4:46:57
